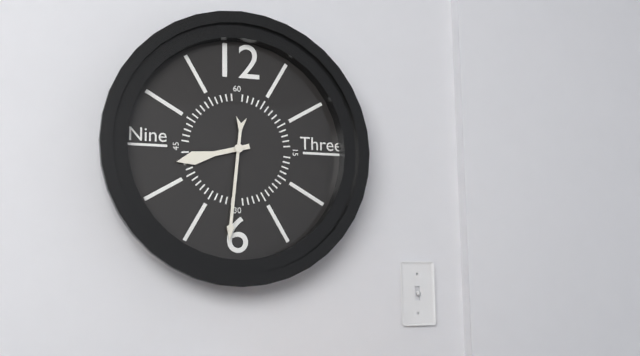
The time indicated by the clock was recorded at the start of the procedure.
8:31
